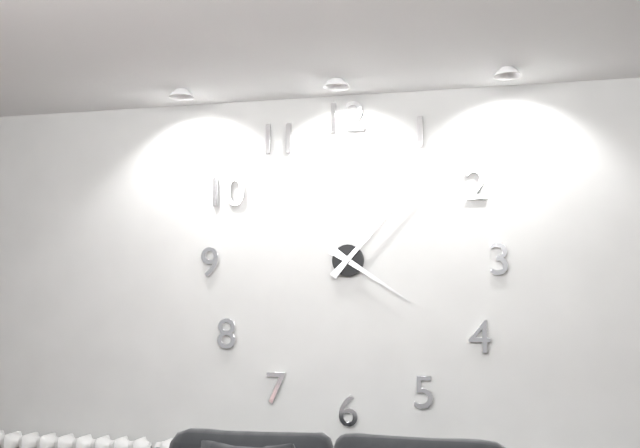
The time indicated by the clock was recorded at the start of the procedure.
4:07
